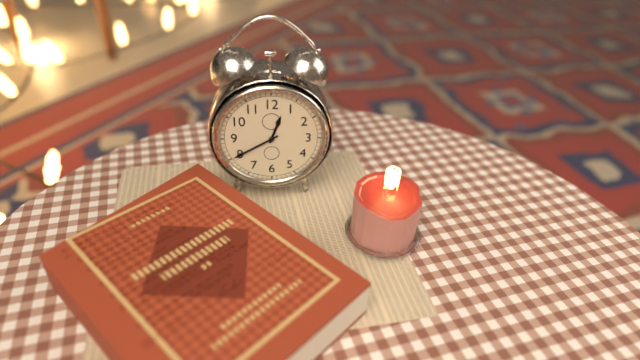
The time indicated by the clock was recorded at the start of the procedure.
12:40
